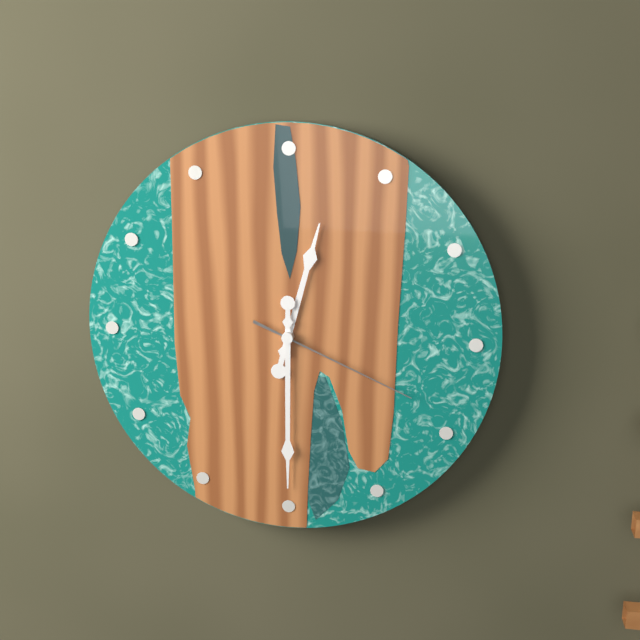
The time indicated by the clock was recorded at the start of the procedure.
12:30:19
